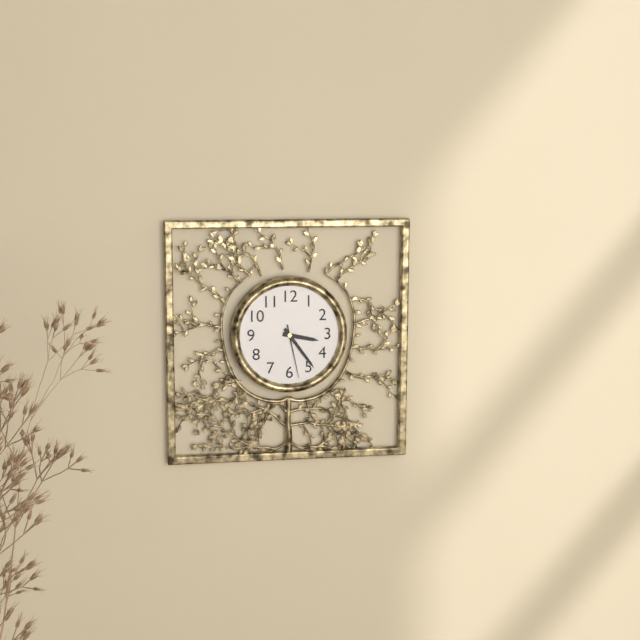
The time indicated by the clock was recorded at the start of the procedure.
3:24:28
